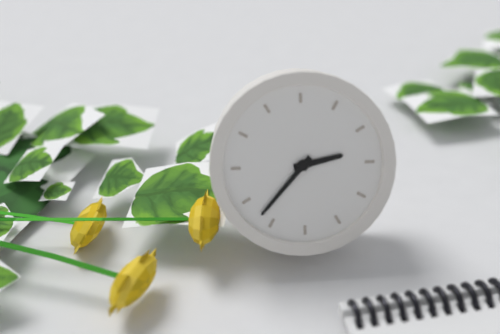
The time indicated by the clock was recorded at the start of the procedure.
2:37
